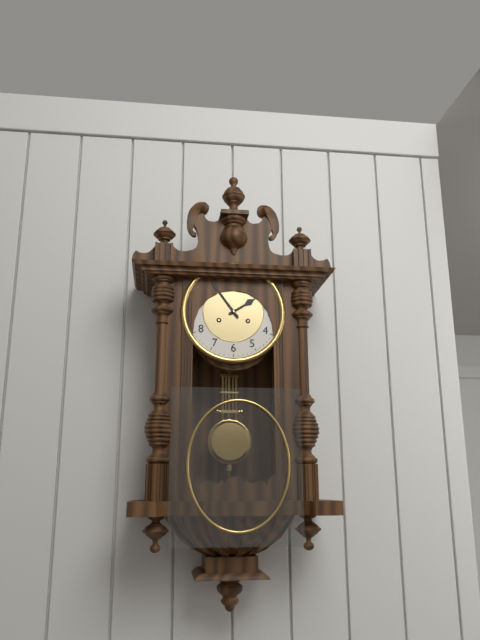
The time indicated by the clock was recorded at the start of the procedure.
1:54
